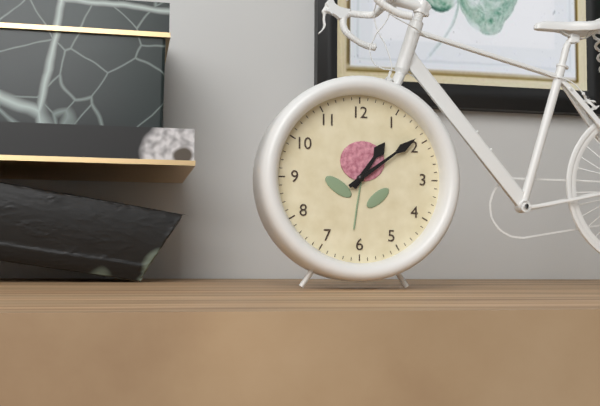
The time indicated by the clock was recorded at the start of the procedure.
1:09
